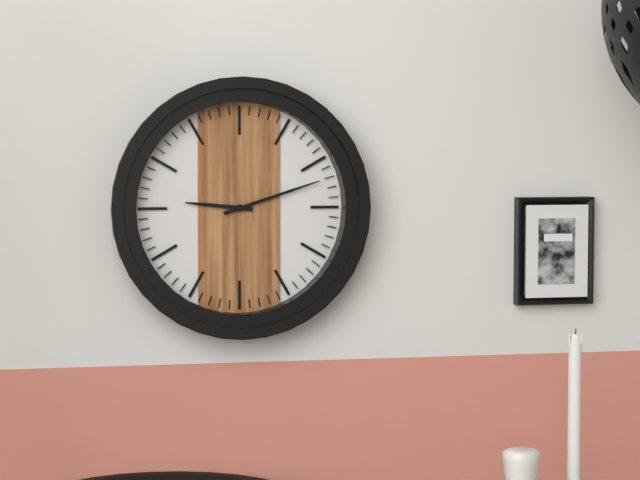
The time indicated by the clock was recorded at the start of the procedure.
9:12
